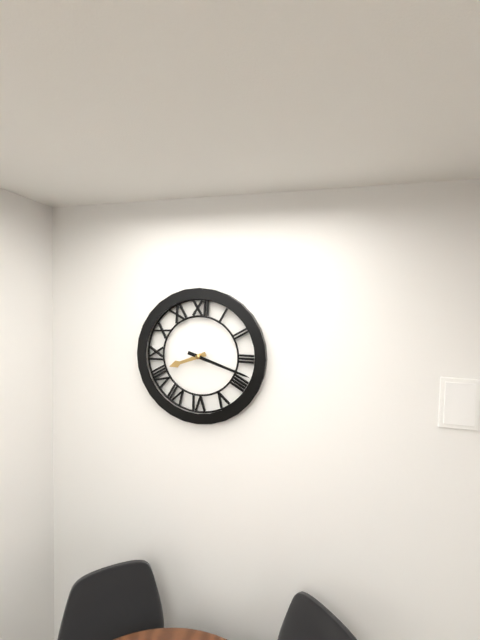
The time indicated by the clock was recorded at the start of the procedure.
8:18
